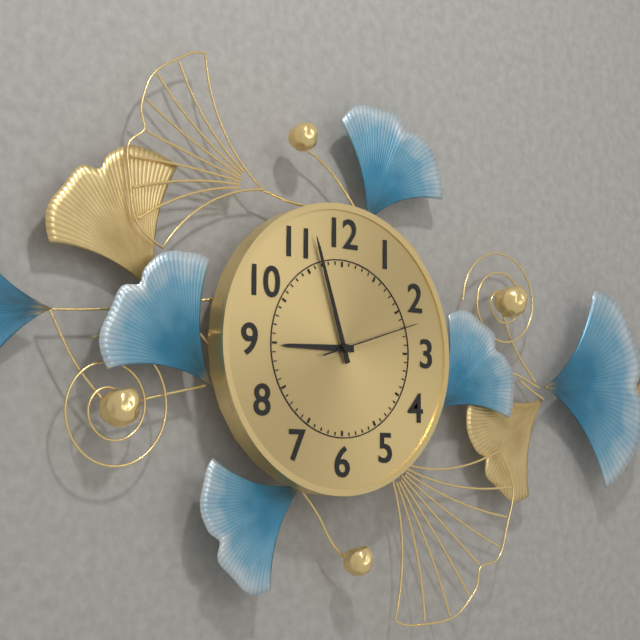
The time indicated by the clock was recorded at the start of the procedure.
8:57:12
